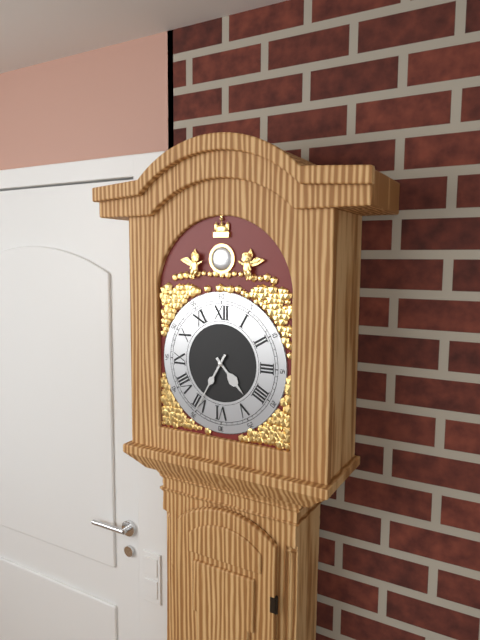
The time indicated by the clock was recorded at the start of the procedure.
4:35
